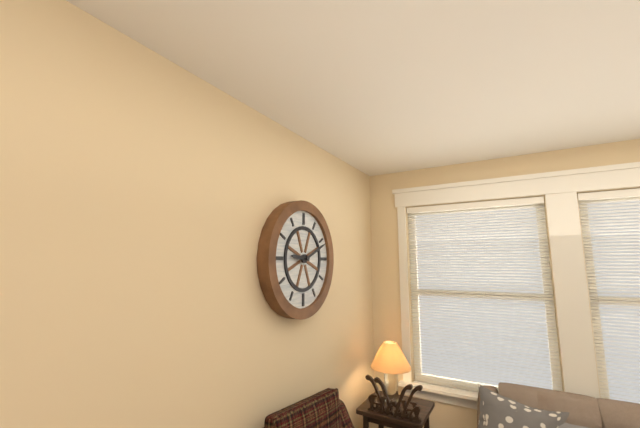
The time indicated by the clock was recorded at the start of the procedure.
9:11
